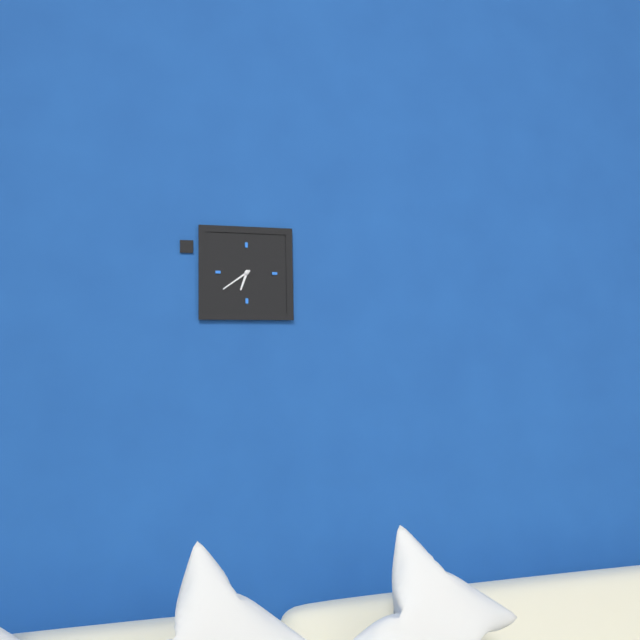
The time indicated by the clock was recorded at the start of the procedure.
6:39
